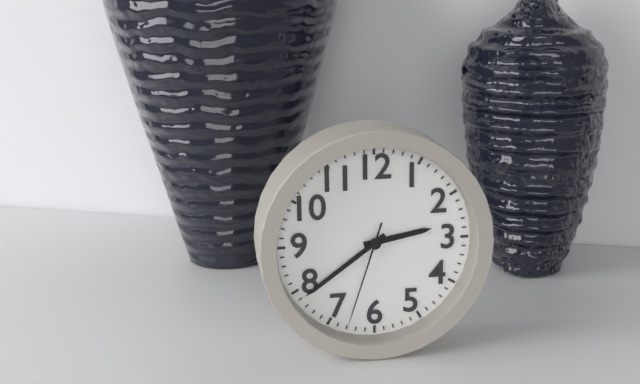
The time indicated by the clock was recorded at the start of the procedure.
2:39:33
